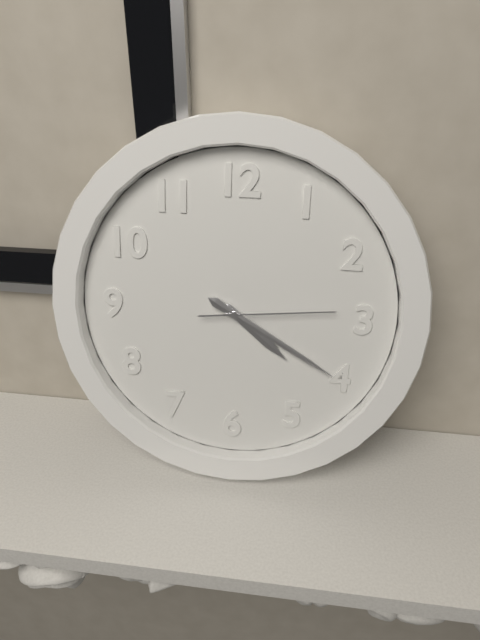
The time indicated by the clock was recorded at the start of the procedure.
4:20:14
